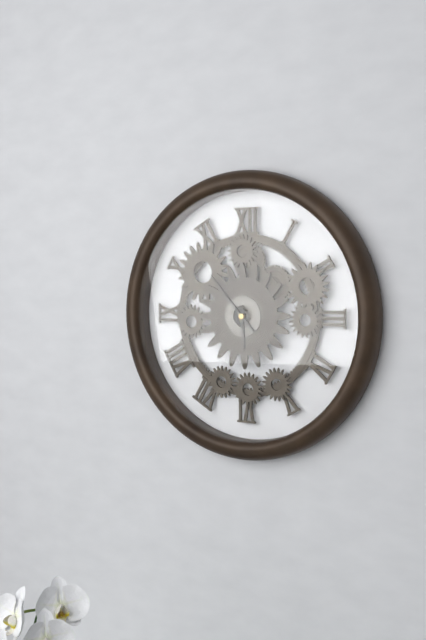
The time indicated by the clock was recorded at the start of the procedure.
5:53
